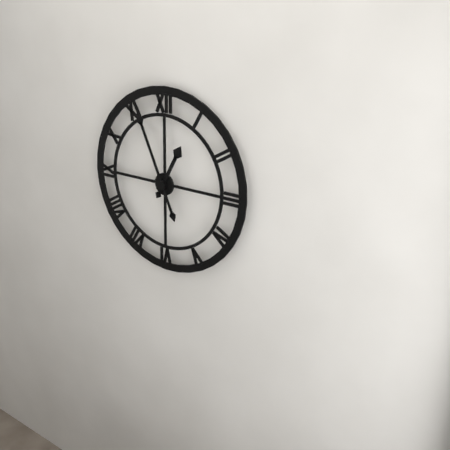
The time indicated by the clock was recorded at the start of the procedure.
12:56
